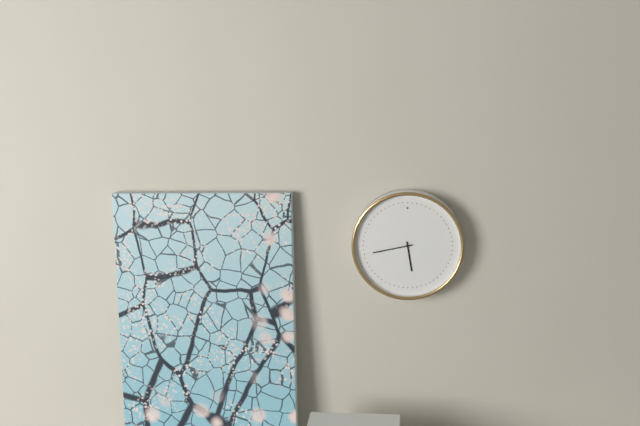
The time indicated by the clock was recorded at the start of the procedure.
5:43
